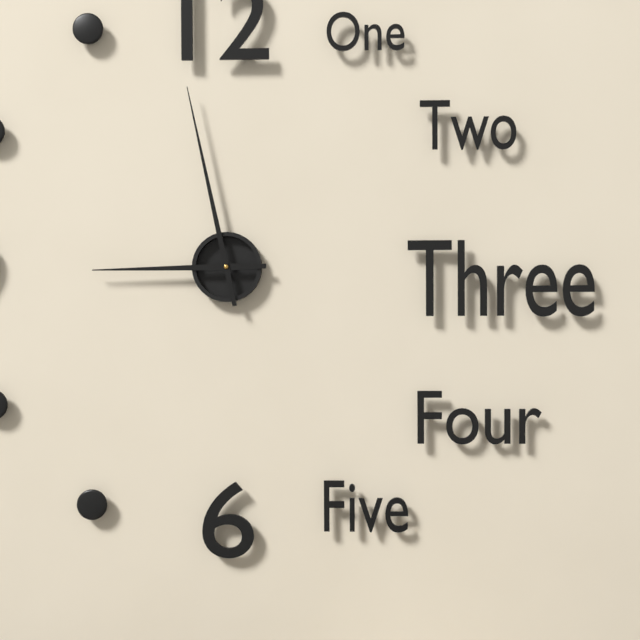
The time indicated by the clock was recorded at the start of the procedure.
8:58
